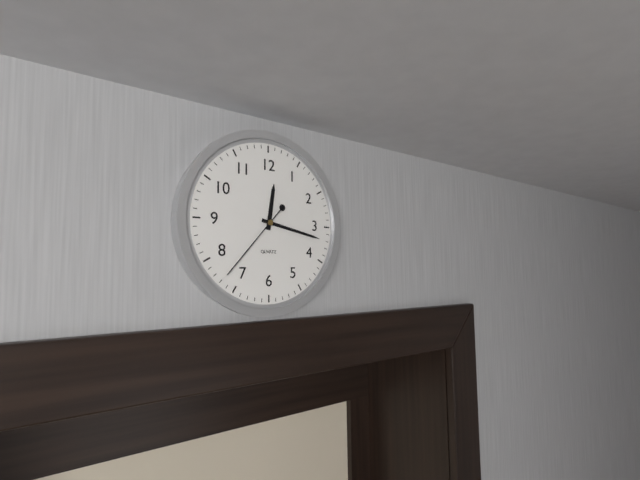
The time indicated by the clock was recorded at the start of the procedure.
12:17:37
